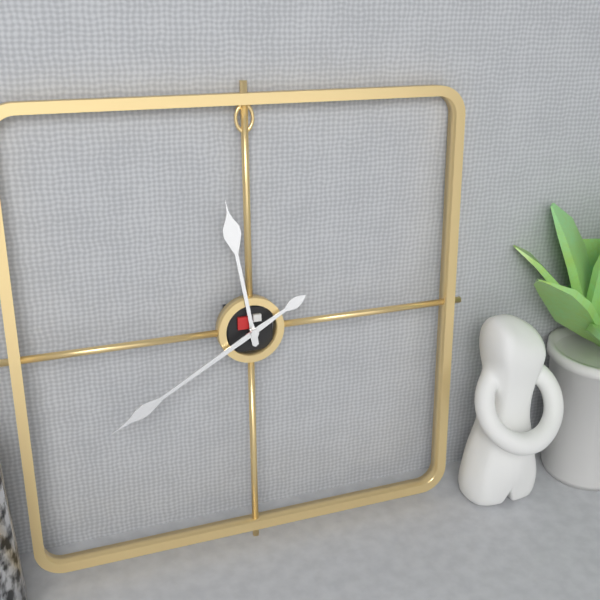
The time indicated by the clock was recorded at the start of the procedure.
11:40
